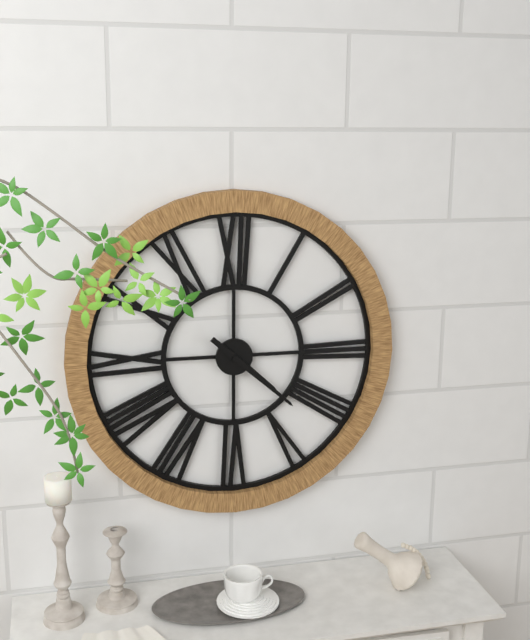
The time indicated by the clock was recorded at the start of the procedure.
4:22
